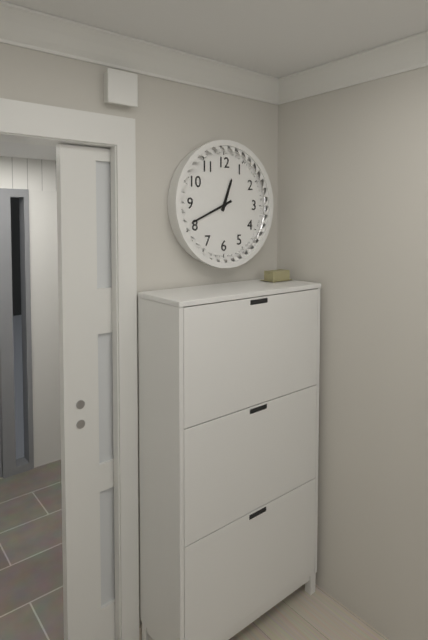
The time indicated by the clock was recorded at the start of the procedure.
12:41
